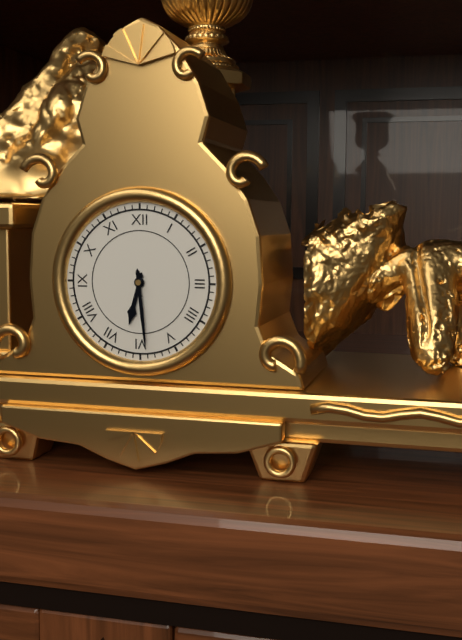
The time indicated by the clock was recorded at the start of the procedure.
6:29
